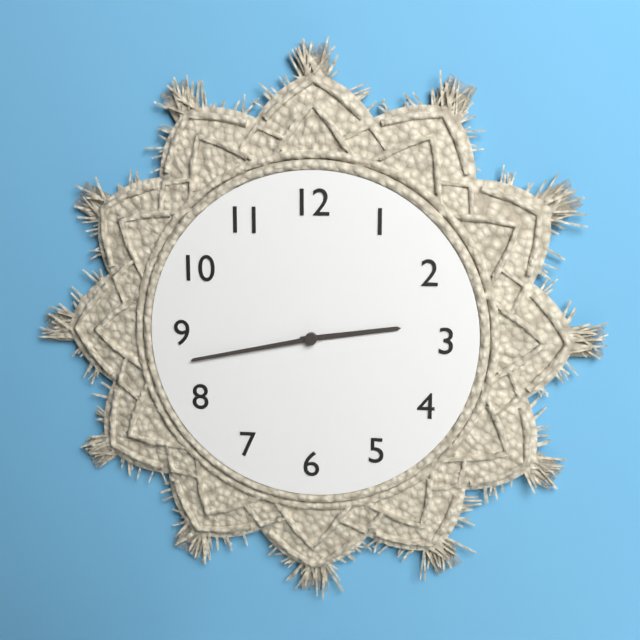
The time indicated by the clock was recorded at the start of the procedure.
2:43
